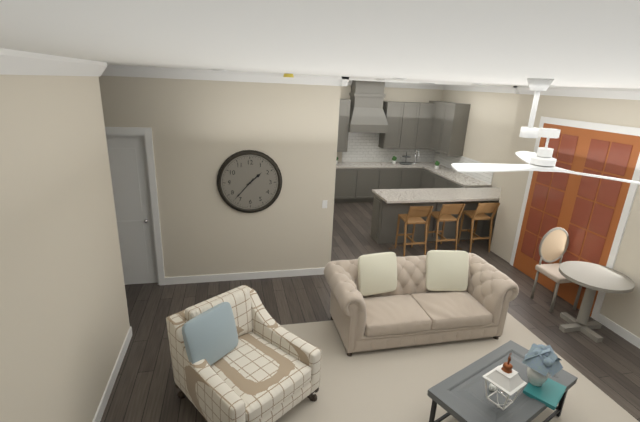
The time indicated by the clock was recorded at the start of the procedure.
1:37
